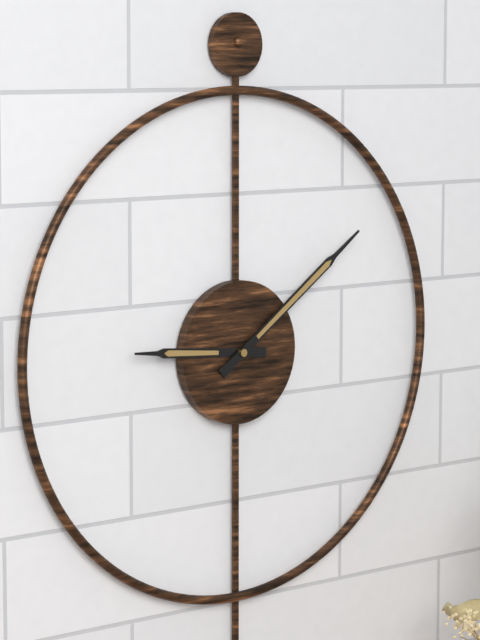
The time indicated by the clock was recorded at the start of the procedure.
9:09
